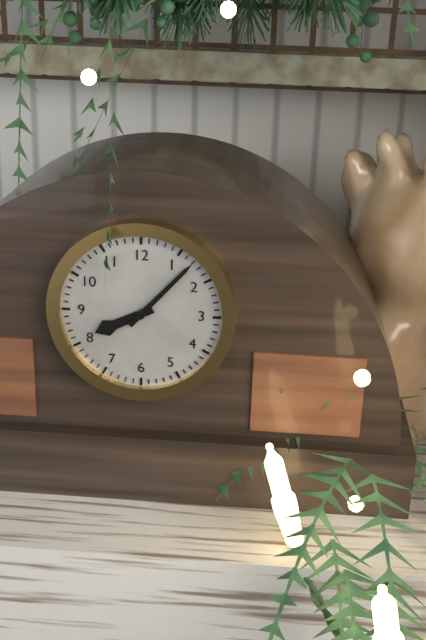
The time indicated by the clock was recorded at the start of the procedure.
8:07
